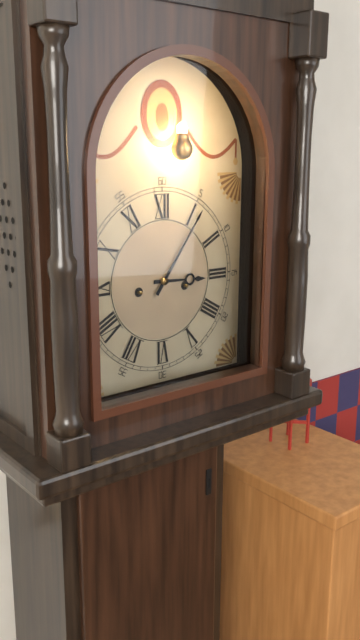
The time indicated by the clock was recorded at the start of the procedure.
3:06
